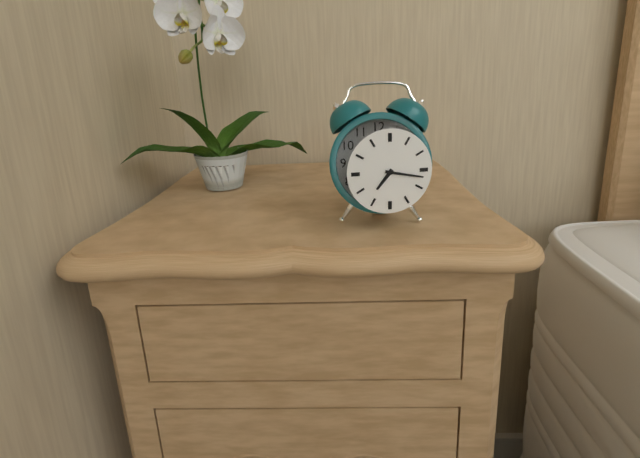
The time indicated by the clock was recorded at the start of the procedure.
7:17
